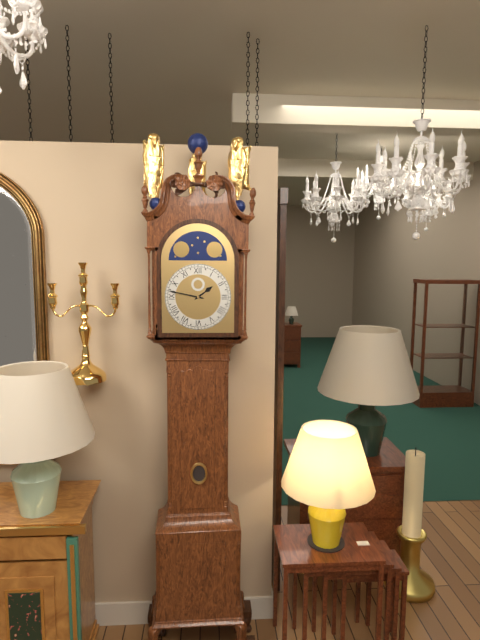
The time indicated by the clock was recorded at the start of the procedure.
1:47
